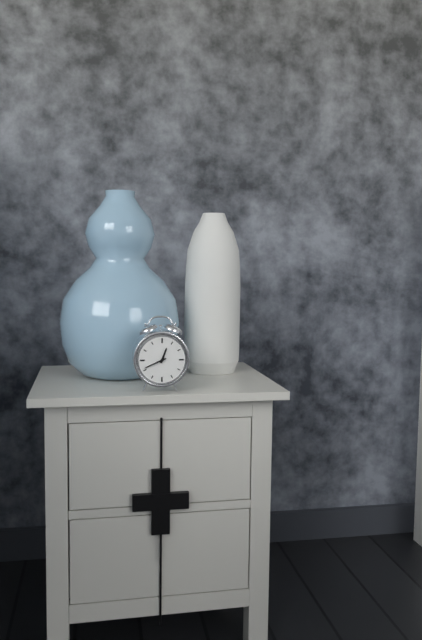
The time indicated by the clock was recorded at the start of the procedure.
12:41
